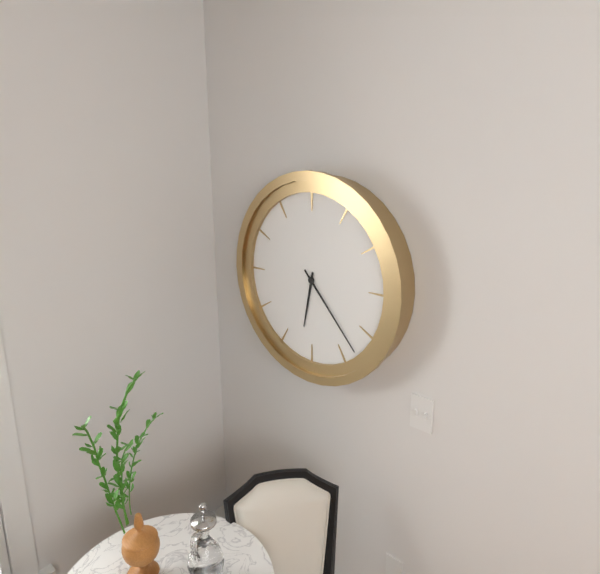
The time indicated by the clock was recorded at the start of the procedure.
6:23
